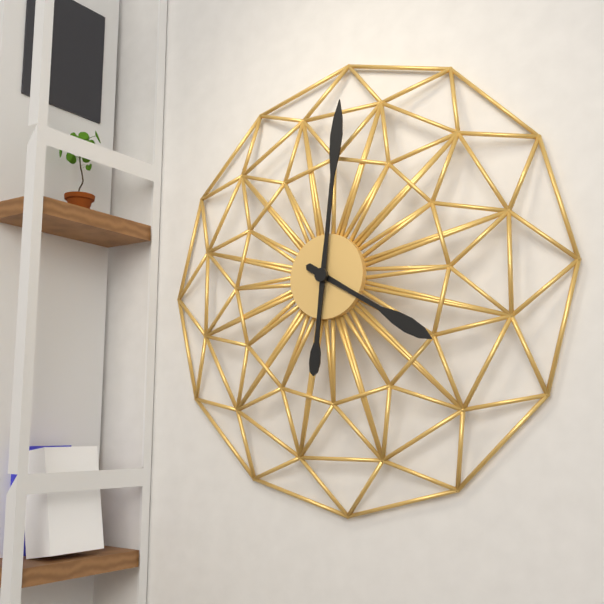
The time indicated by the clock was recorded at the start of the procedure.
4:01
